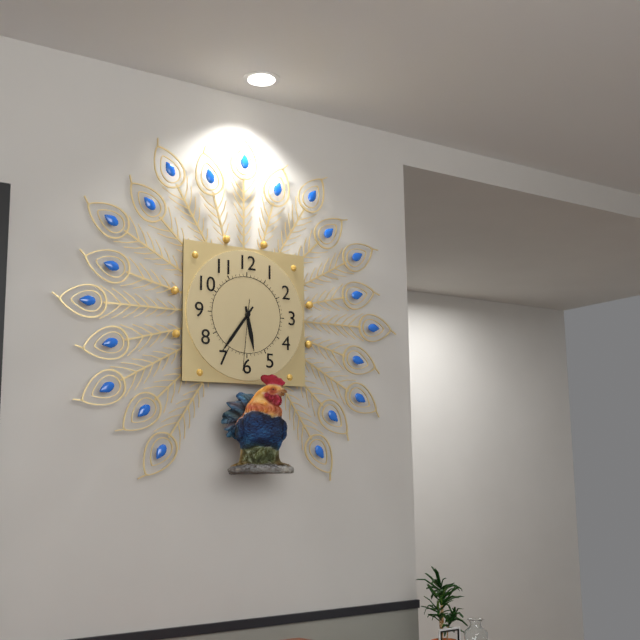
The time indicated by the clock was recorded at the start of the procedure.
5:36:31
